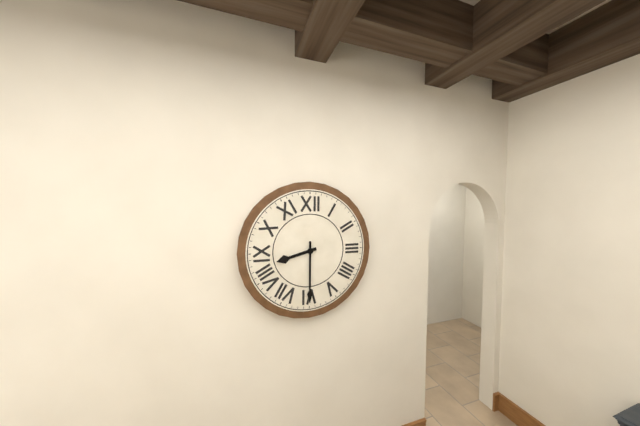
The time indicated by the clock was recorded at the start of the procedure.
8:30
